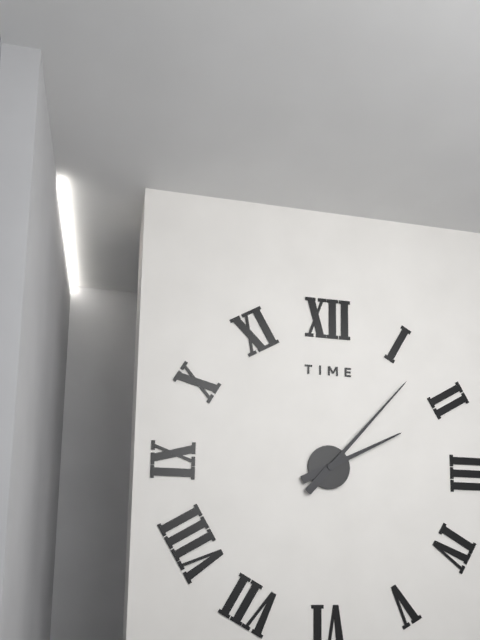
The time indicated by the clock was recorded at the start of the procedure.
2:07
